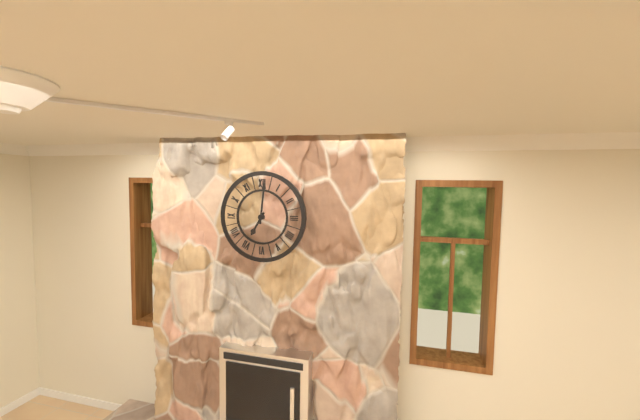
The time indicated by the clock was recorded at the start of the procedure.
7:01
